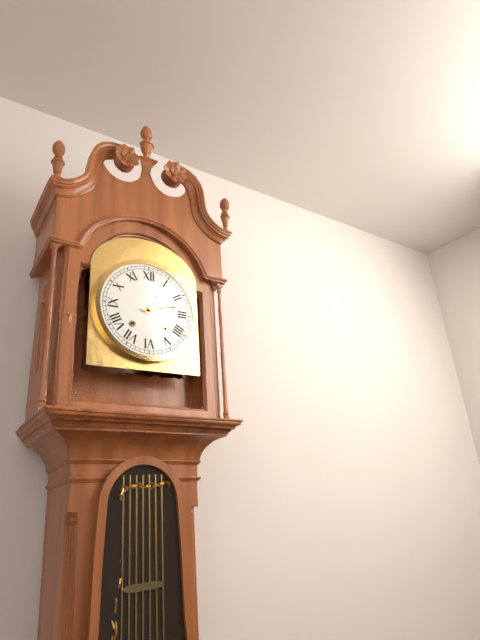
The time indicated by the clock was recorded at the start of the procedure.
1:12
